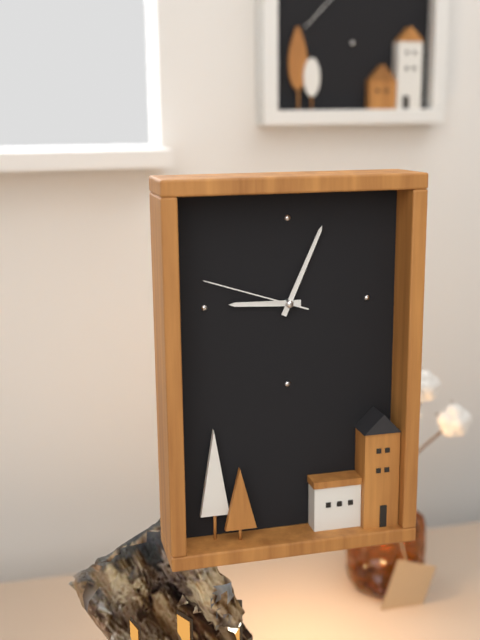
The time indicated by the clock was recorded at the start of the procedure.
9:04:48
